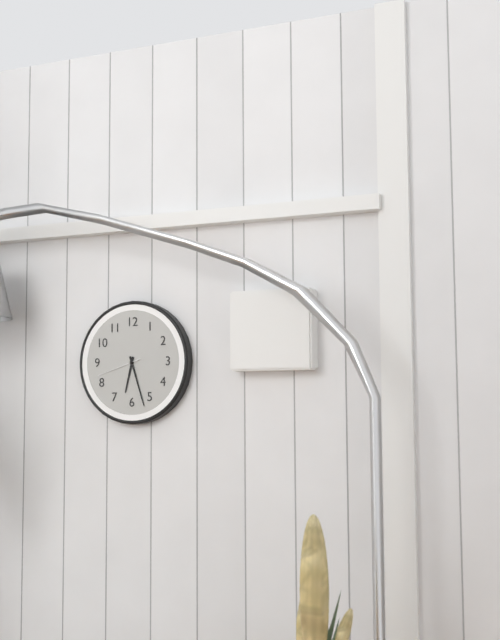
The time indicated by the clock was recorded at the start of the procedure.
6:27
